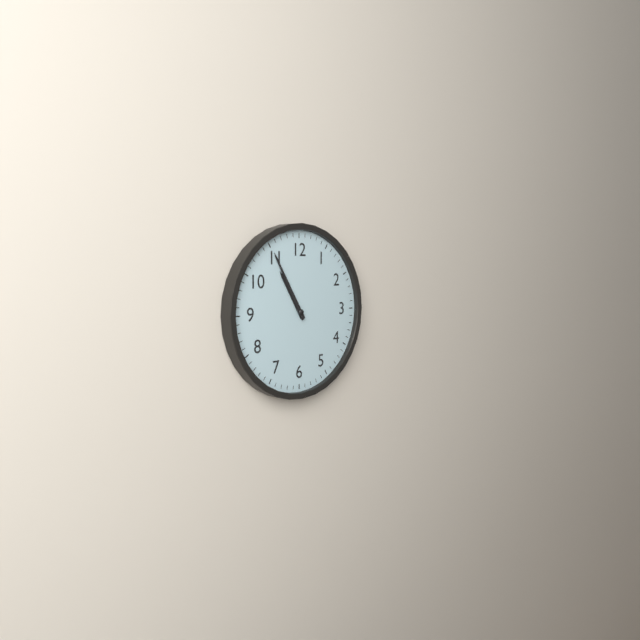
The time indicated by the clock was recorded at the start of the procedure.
10:55
